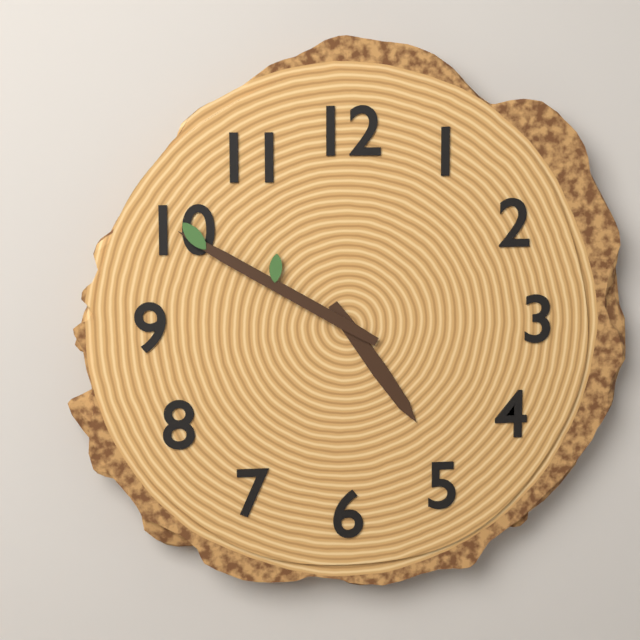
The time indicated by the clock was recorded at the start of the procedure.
4:50
